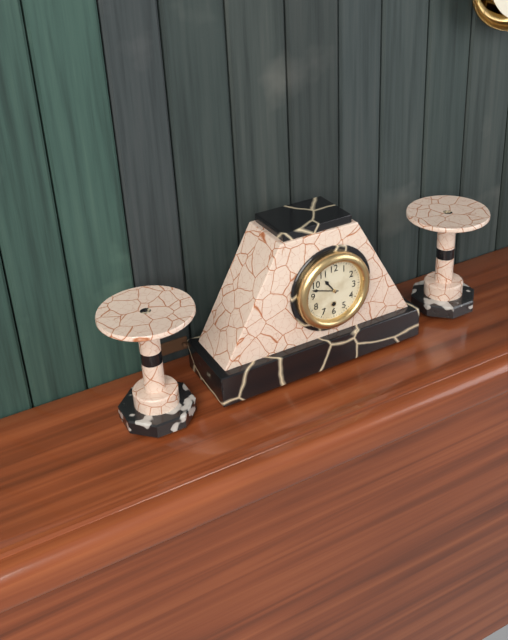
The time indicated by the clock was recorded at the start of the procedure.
10:48
